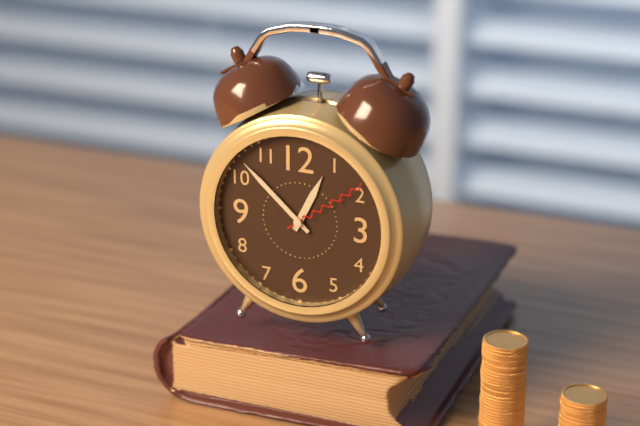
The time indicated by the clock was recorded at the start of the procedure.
12:52:09
